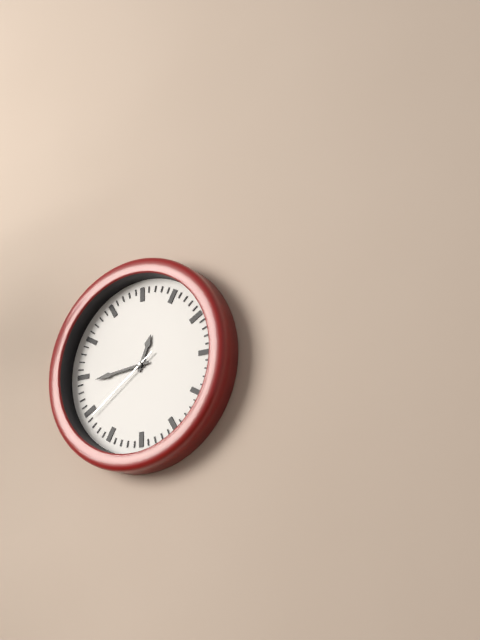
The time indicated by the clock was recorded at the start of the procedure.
12:44:39
